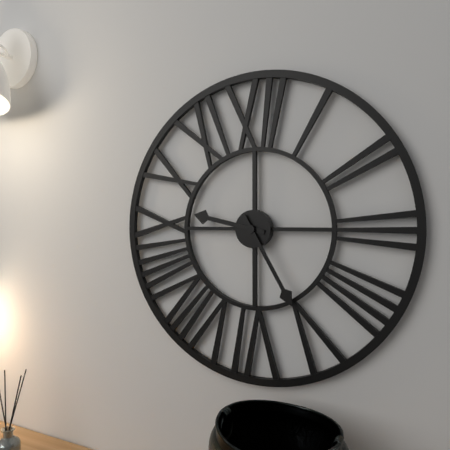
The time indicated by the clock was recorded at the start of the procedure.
9:25
